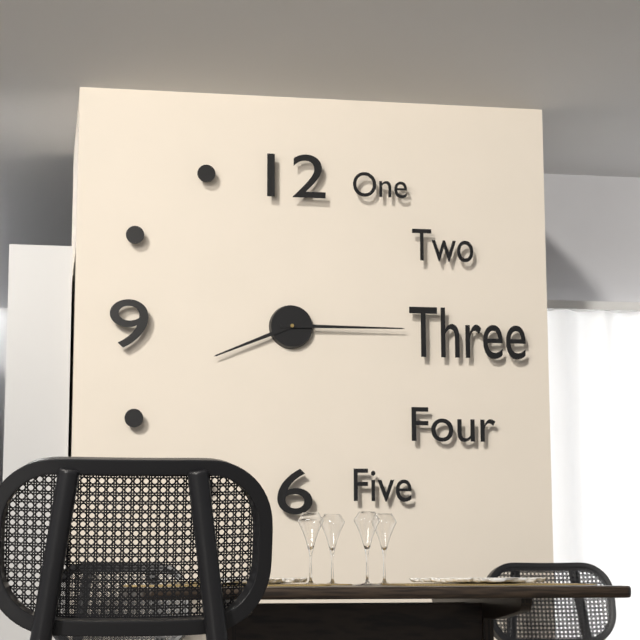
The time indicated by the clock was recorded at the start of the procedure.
8:15
